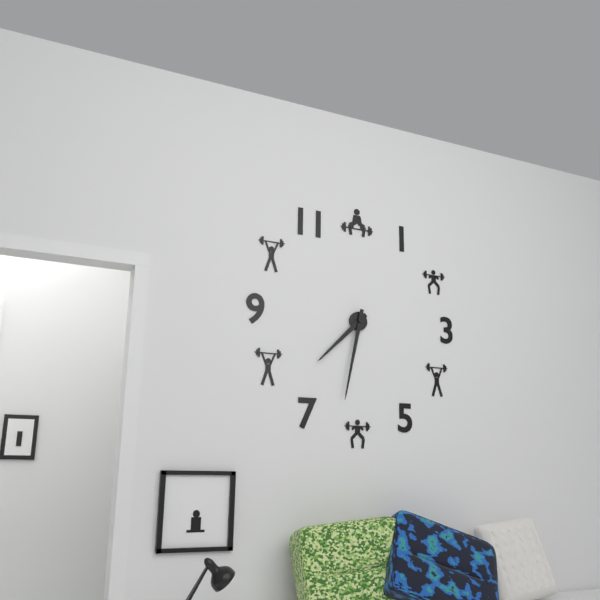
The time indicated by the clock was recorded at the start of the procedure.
7:32
